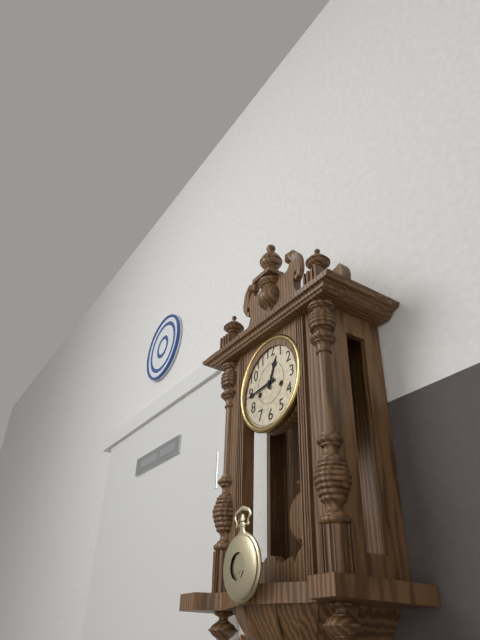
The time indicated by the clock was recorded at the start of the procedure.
12:44
